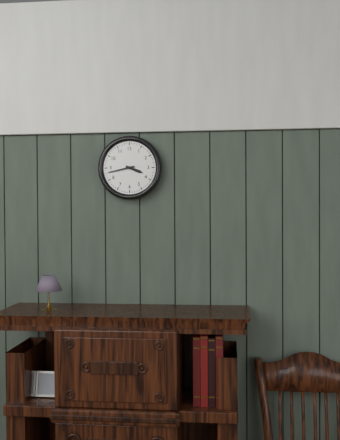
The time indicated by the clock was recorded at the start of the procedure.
3:43
